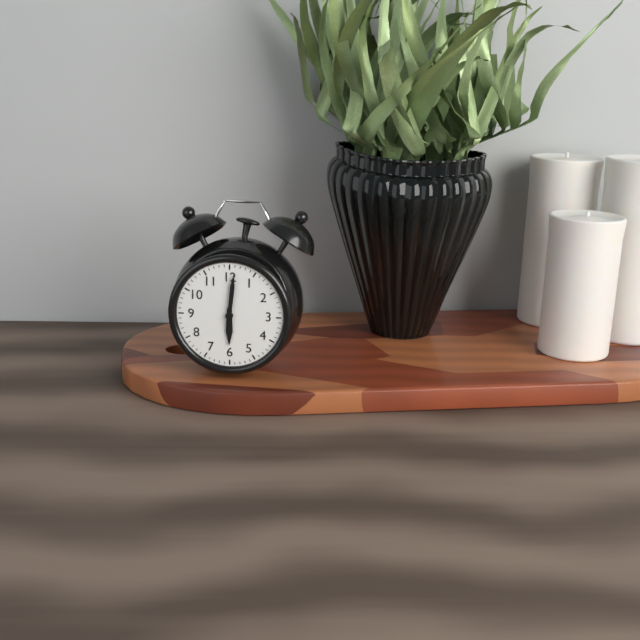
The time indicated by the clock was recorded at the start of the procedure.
6:01
